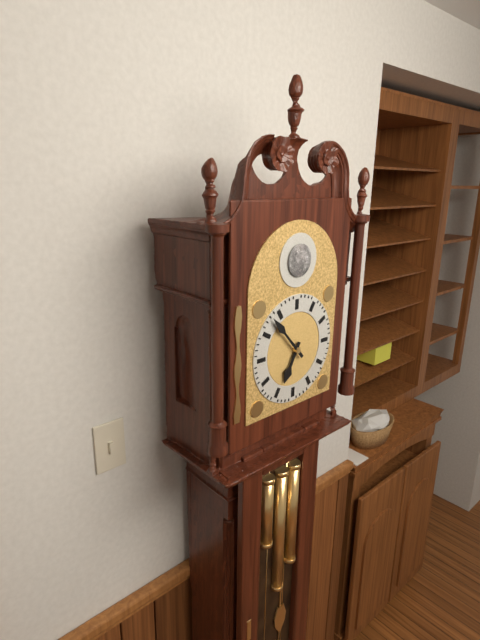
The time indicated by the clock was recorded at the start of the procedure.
6:53
